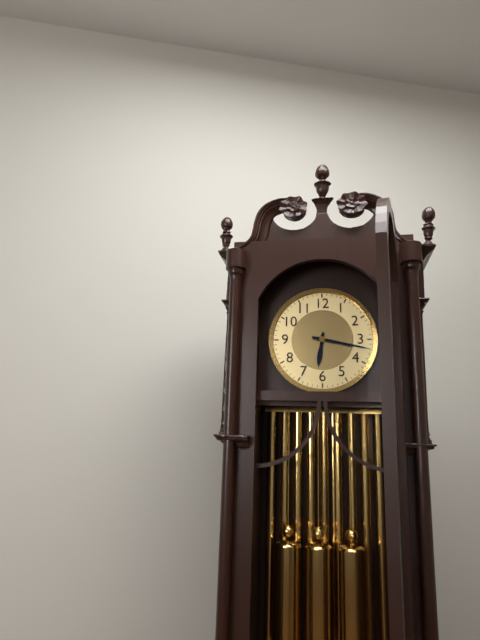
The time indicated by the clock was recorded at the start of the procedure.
6:17
